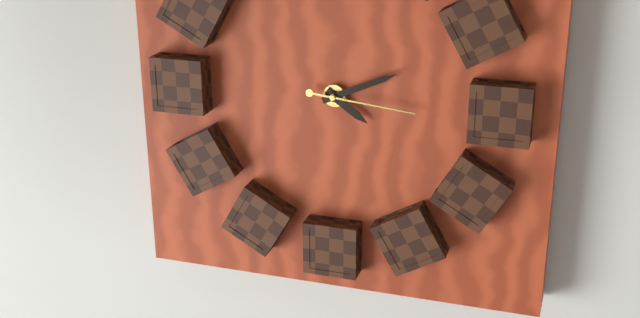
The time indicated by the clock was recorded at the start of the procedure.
4:11:16
